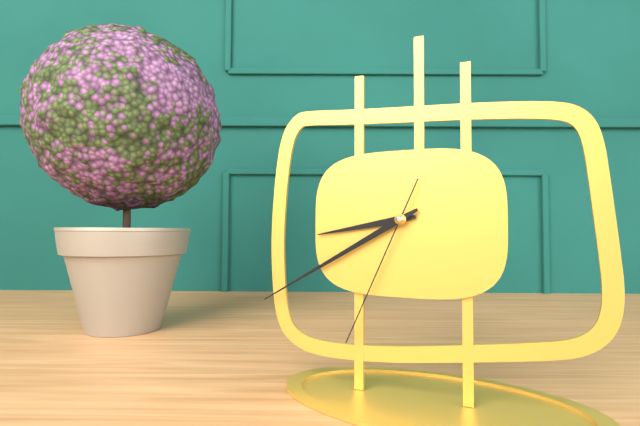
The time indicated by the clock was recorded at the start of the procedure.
8:40:34
